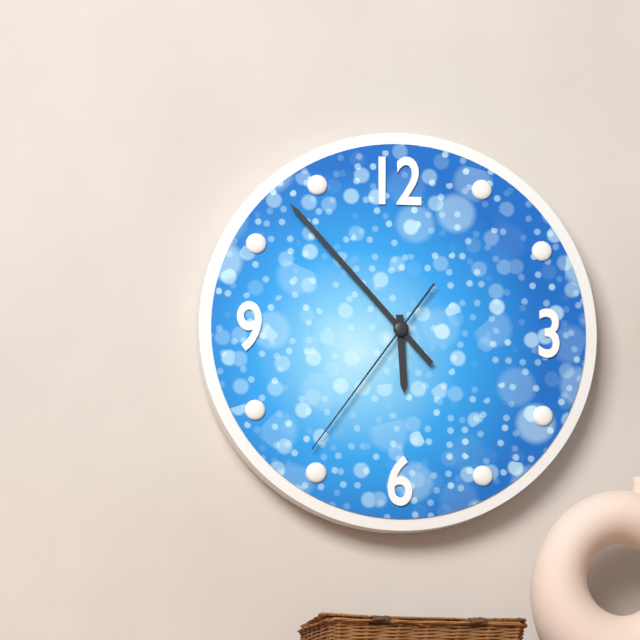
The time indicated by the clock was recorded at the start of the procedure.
5:53:36
